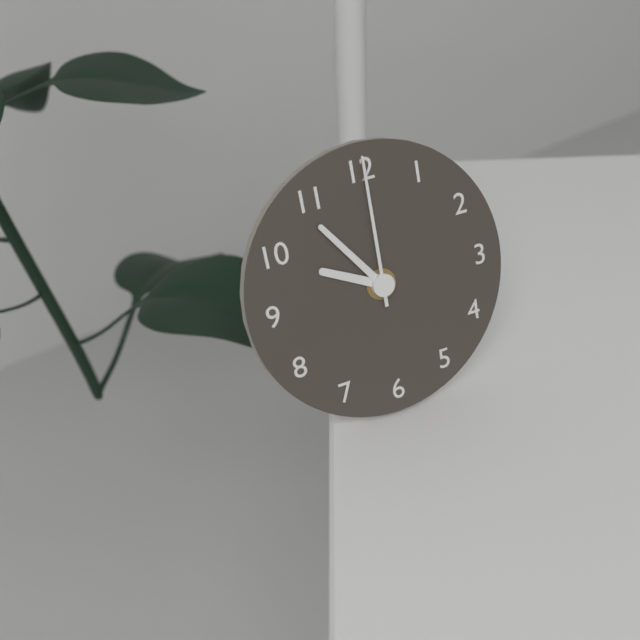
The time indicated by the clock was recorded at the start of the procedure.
9:54:00
